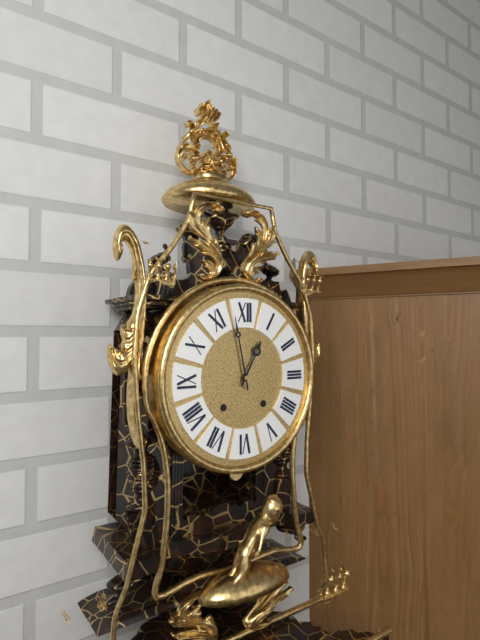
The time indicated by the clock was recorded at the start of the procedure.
12:58
